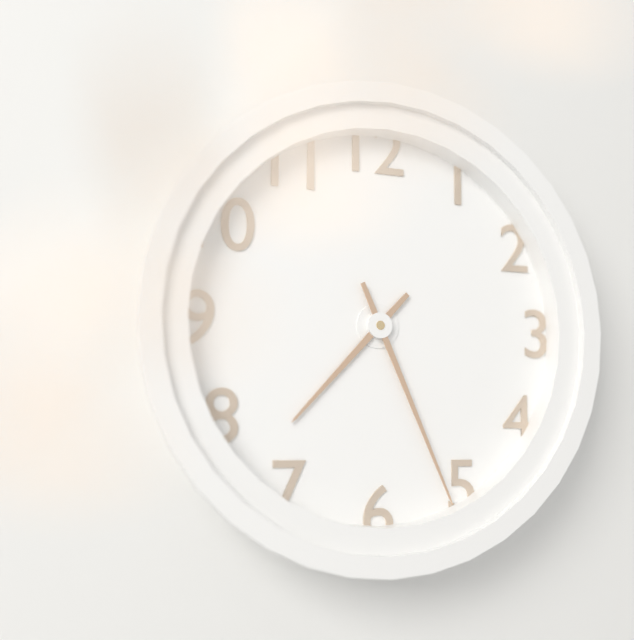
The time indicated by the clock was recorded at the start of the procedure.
7:26
